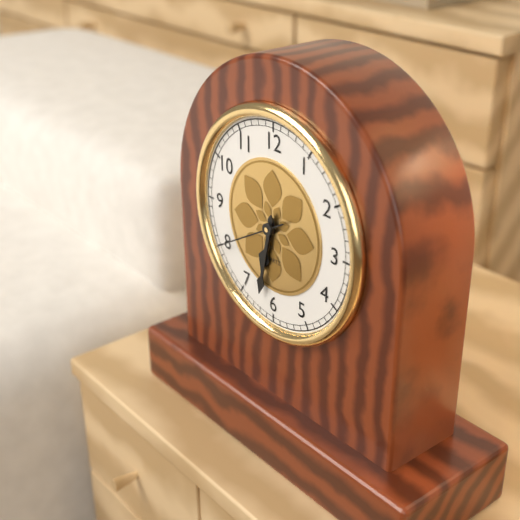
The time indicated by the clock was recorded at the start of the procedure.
6:32:40
